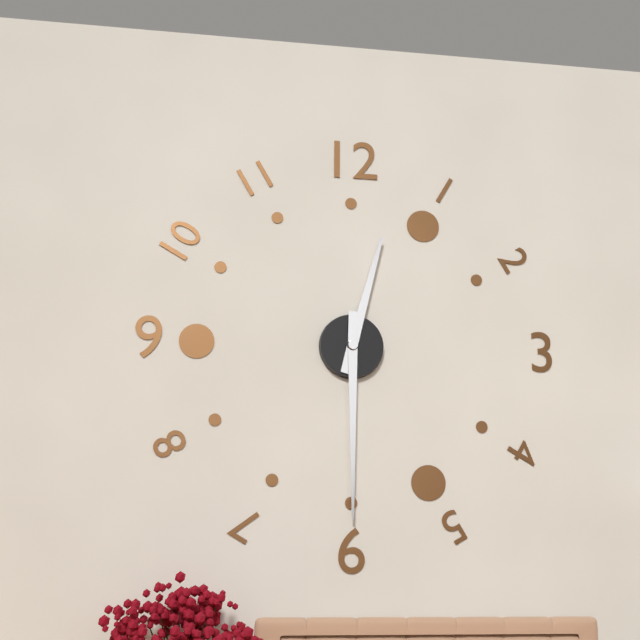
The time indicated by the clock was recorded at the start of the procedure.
12:30
